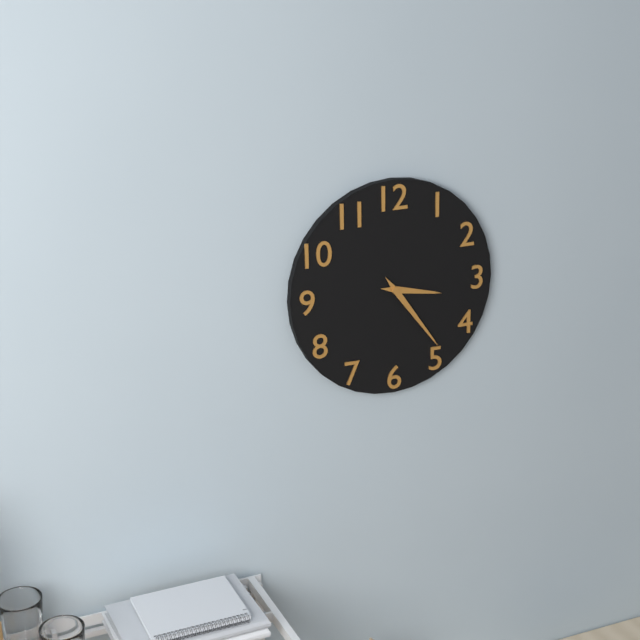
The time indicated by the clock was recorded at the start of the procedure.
3:24
